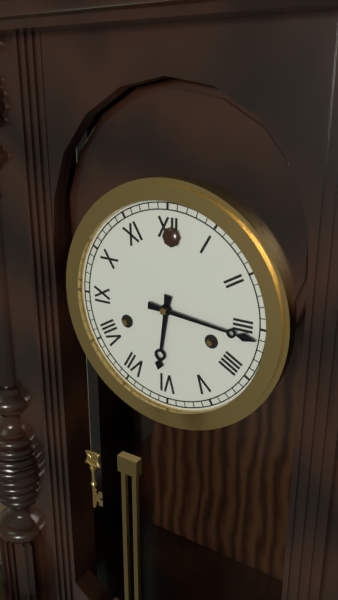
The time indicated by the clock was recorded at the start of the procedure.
6:16
